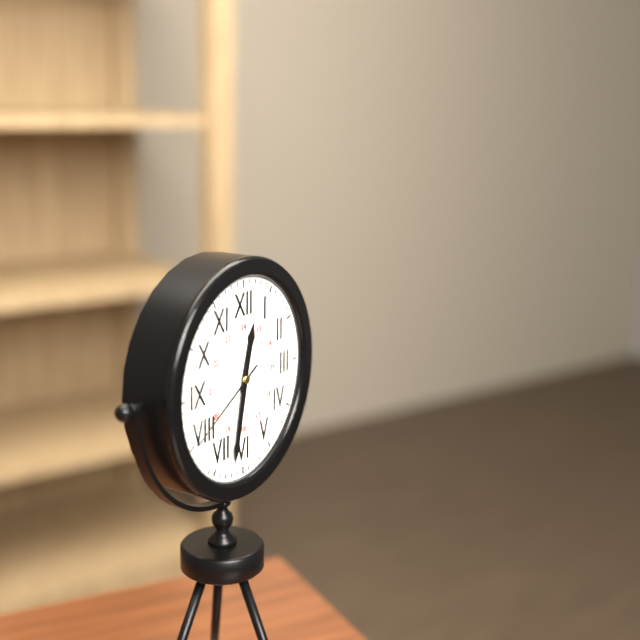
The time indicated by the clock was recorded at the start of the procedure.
12:32:40
